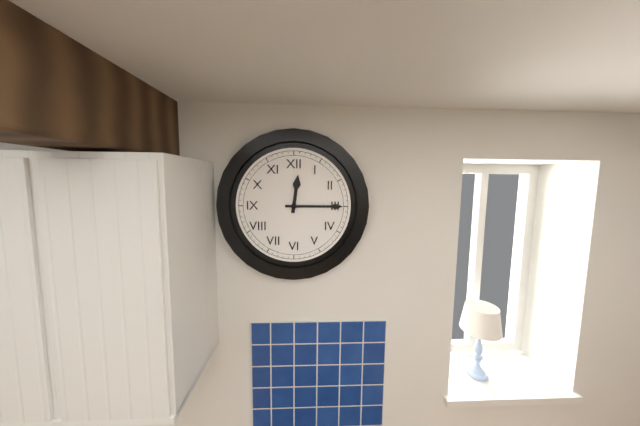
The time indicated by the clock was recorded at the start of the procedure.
12:15
